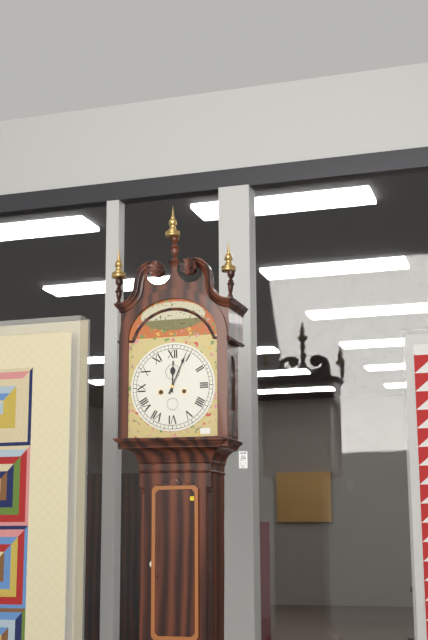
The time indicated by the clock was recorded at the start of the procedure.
12:04
